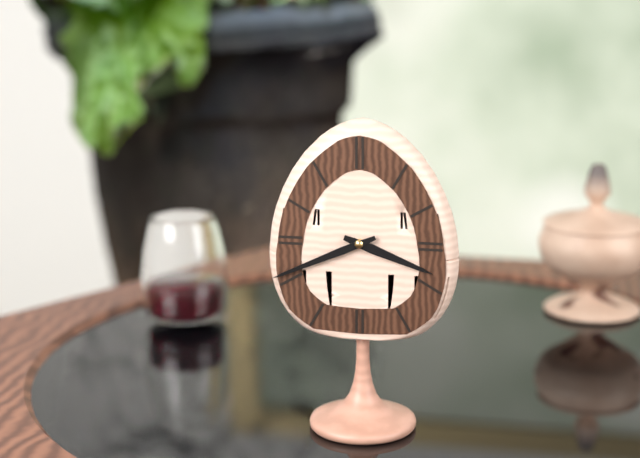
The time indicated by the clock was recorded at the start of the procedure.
3:41
